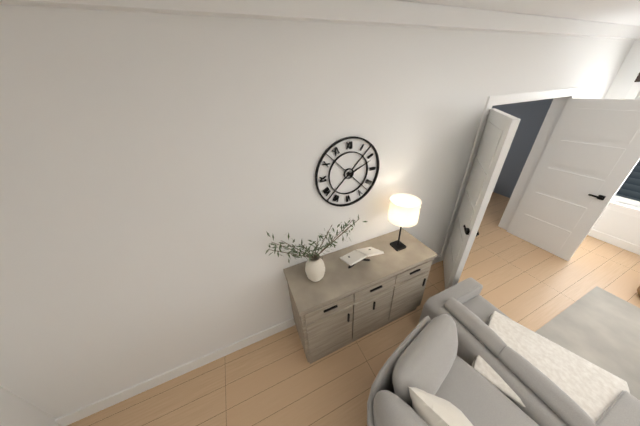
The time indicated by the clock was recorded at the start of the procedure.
2:11
